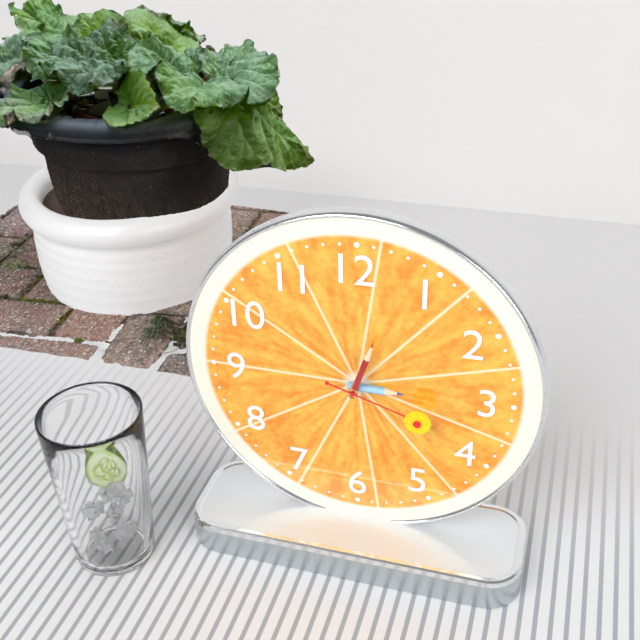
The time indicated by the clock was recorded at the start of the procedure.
3:03:18
